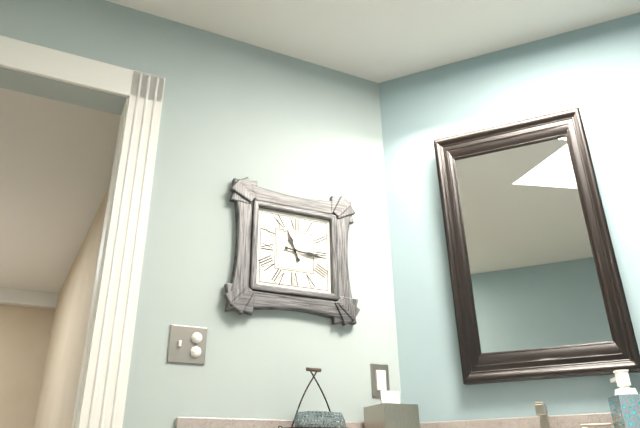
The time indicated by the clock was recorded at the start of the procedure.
11:16
